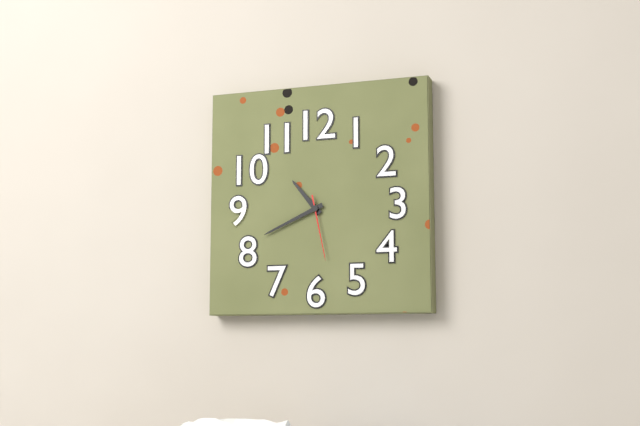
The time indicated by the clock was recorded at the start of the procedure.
10:41:28
